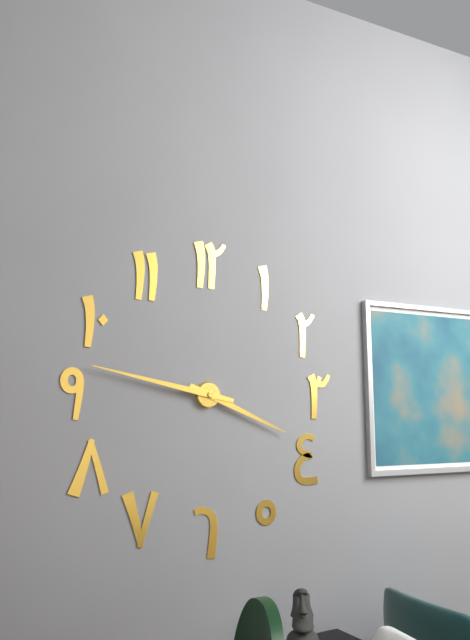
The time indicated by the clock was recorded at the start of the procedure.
3:47
